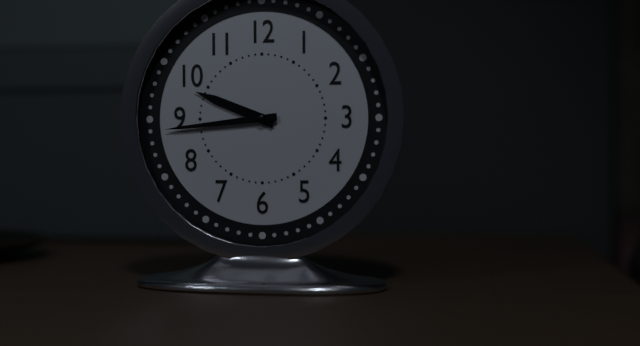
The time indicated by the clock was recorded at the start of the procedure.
9:44
